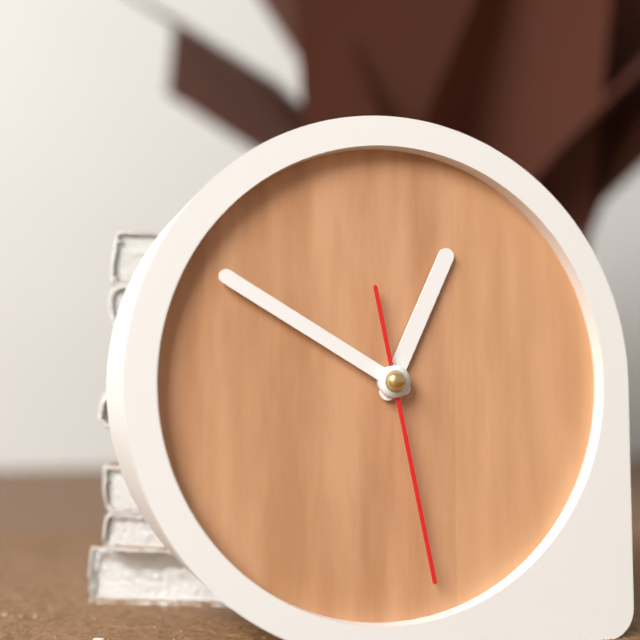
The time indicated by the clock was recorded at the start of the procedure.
12:50:28
